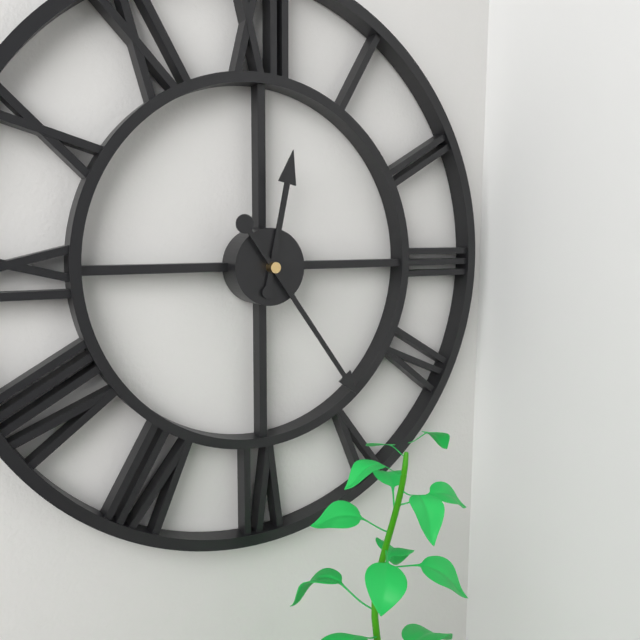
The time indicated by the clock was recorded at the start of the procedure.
12:24
